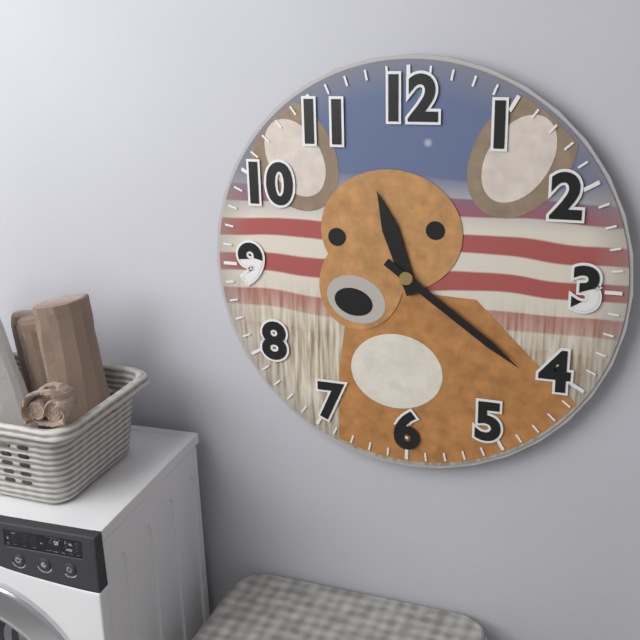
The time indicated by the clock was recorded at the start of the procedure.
11:21
